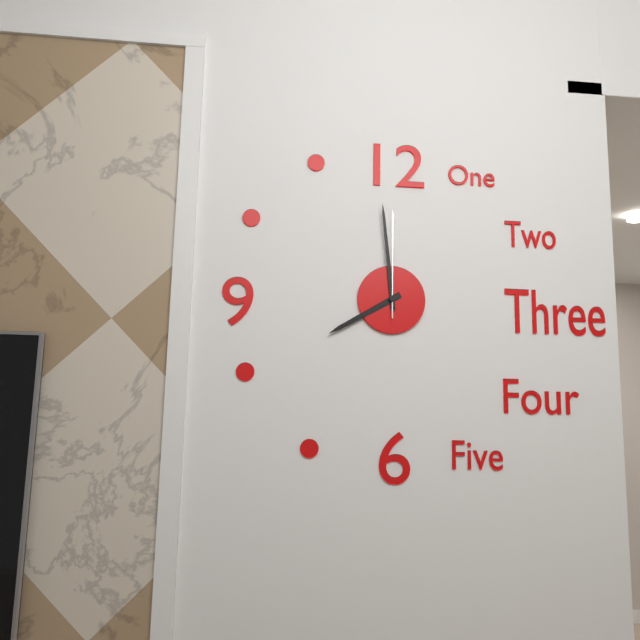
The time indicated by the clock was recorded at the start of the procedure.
7:59:00
